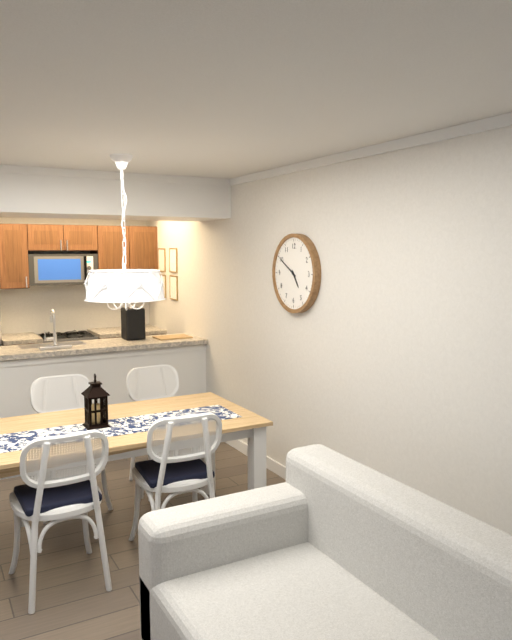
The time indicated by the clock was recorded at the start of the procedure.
4:50
